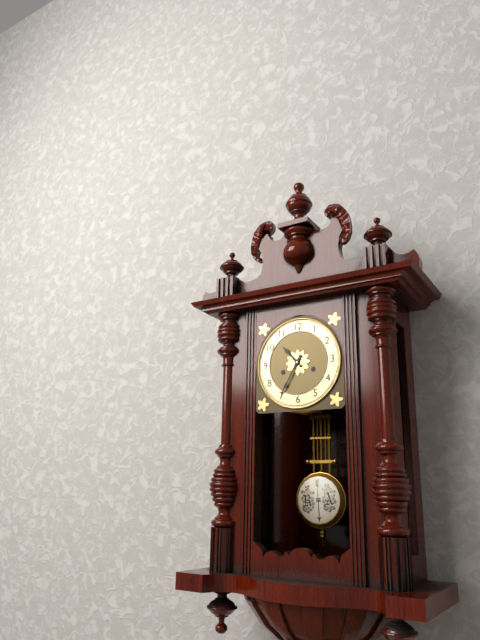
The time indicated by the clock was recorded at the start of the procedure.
10:35
